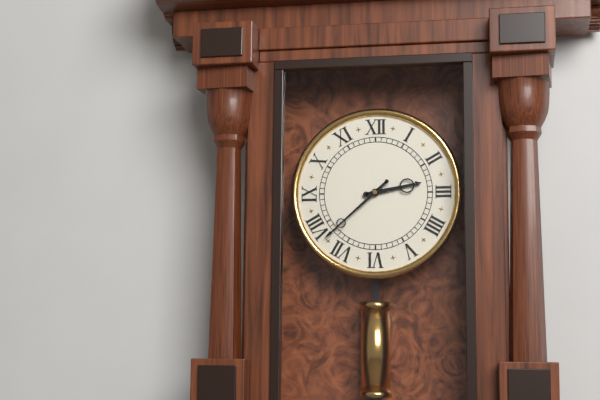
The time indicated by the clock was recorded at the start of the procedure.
2:38
